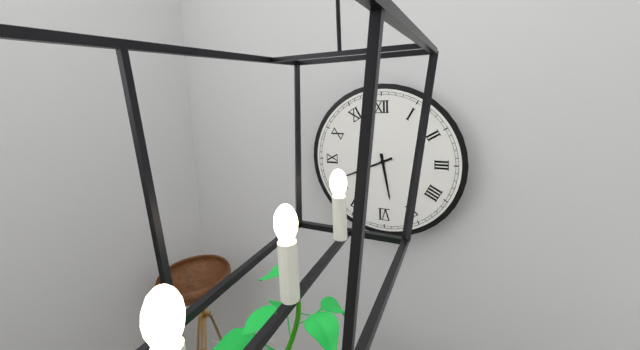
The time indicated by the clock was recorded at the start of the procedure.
5:41
